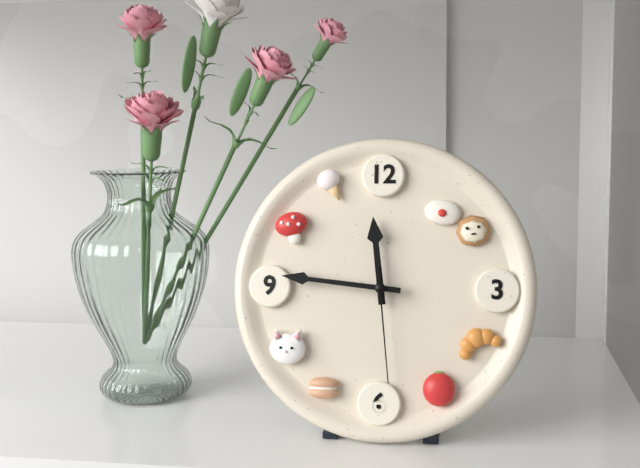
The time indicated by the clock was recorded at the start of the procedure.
11:46:29
